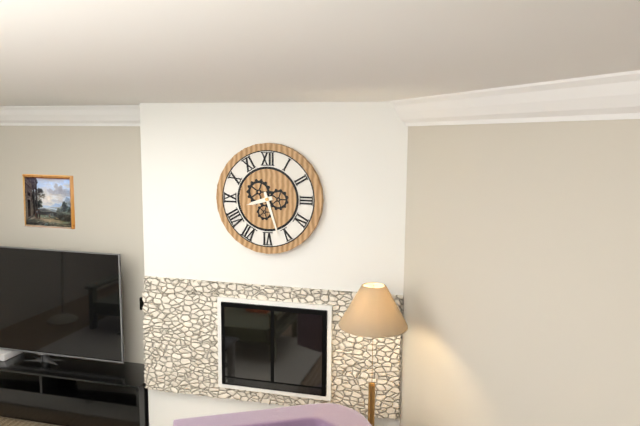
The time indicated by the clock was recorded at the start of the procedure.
8:27
